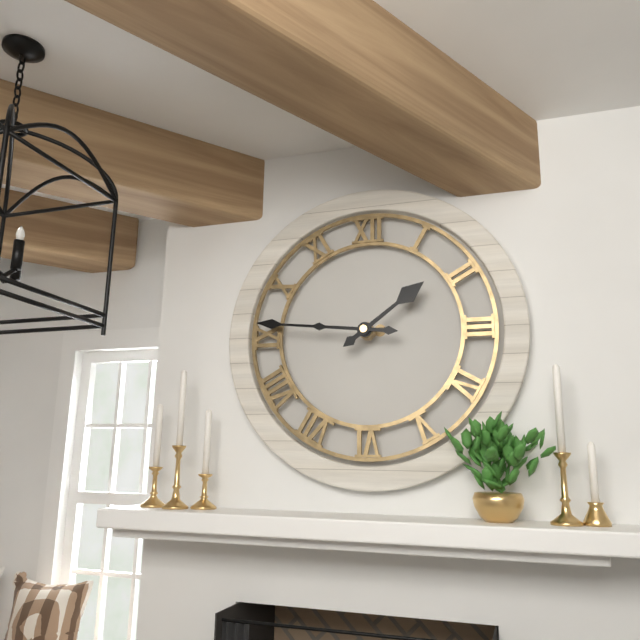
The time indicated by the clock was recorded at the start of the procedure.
1:46
